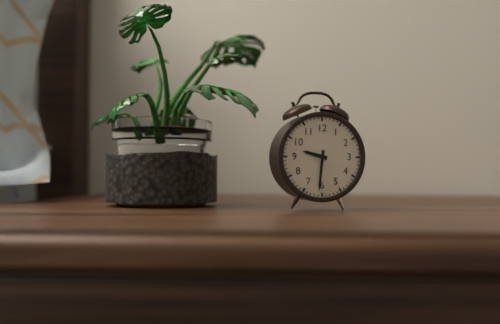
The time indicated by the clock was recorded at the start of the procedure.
9:31
